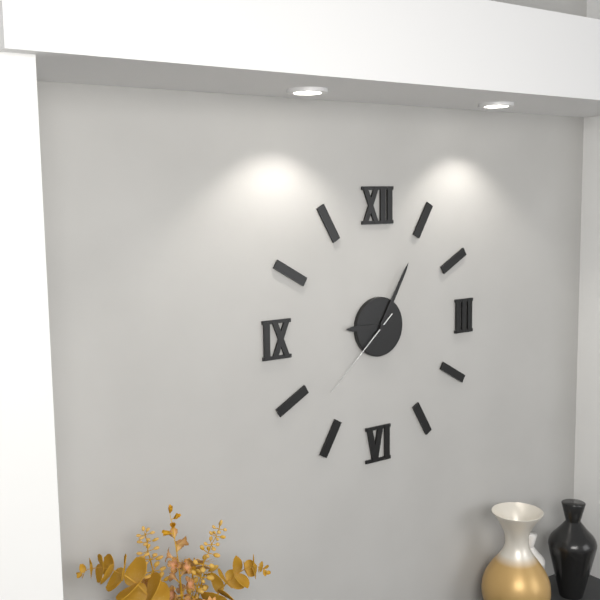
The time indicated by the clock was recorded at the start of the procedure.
9:05:38
